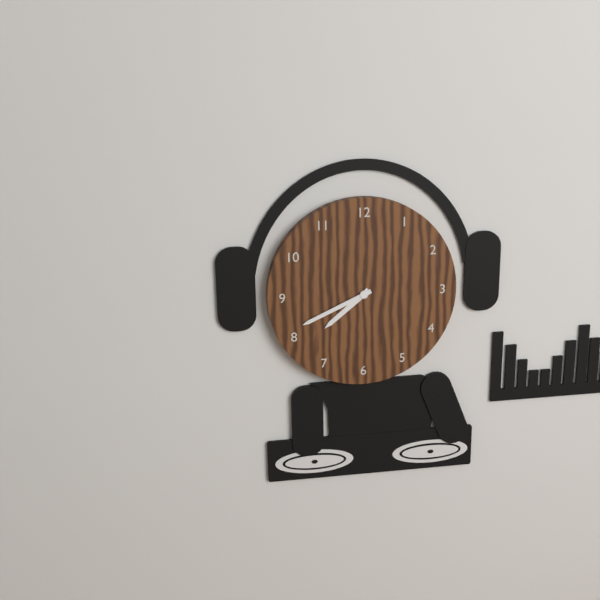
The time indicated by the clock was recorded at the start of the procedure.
7:41
